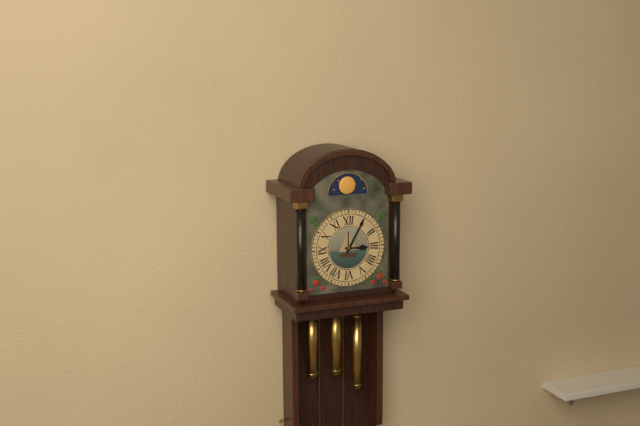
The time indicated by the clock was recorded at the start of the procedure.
3:05
